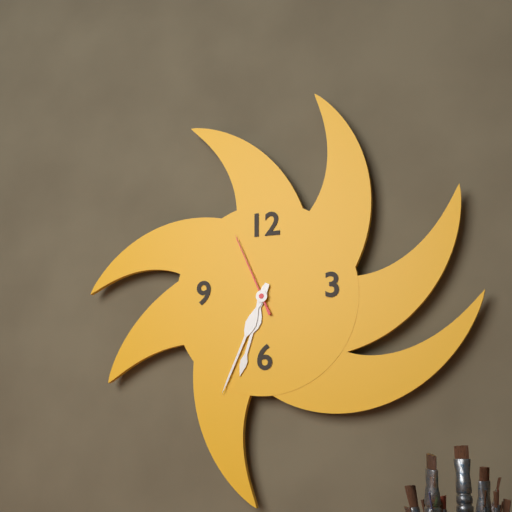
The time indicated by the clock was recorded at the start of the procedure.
6:34:56
